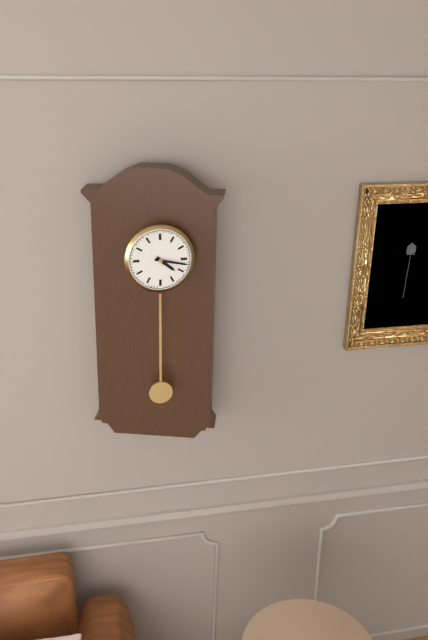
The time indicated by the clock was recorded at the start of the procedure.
4:17
